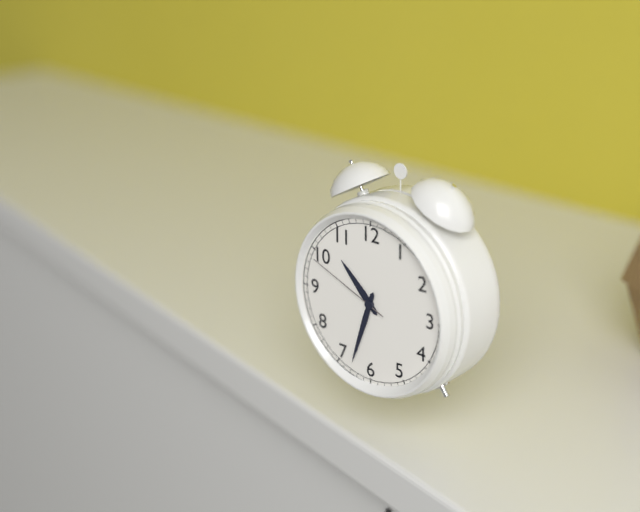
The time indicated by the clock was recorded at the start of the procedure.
10:33:49
